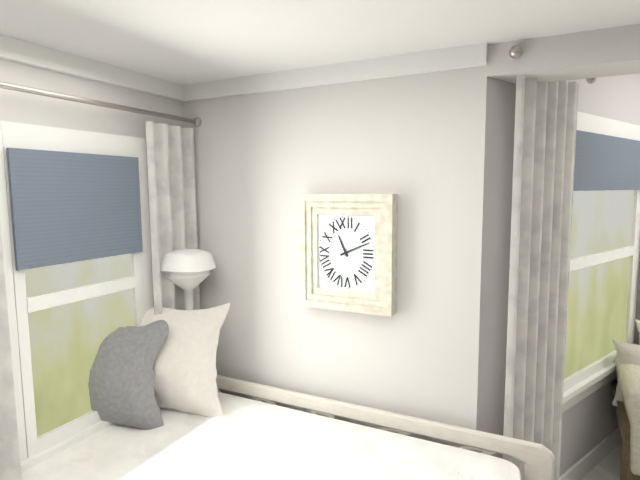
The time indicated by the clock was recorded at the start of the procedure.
11:11
